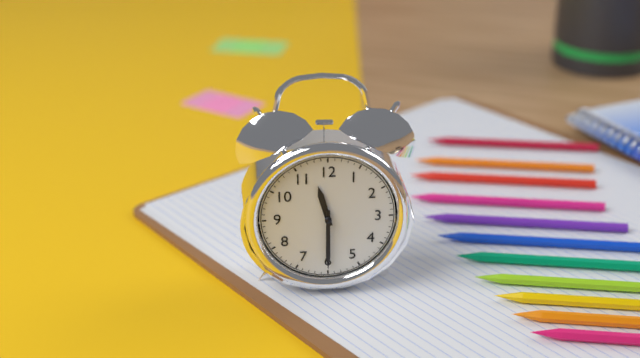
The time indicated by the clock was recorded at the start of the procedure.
11:30
